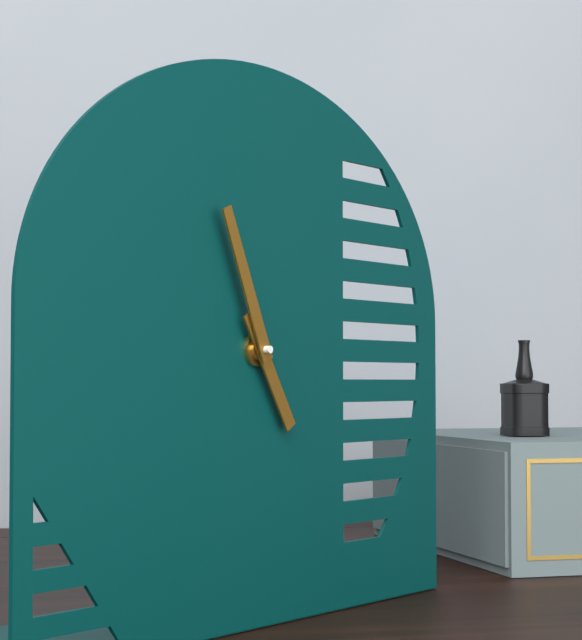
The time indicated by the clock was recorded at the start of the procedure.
4:56
